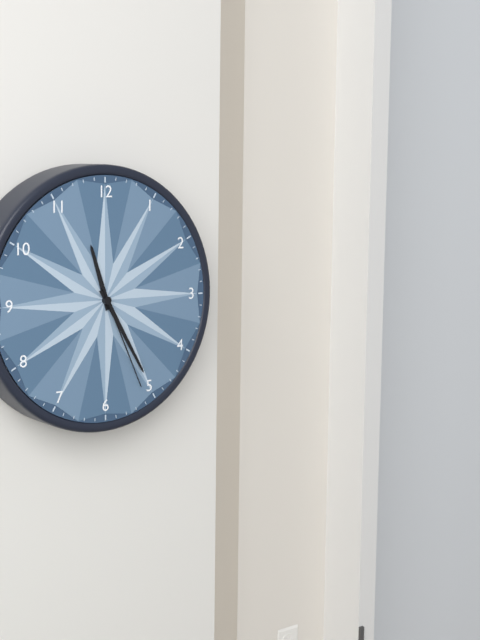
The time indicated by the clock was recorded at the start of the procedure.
11:25:26
